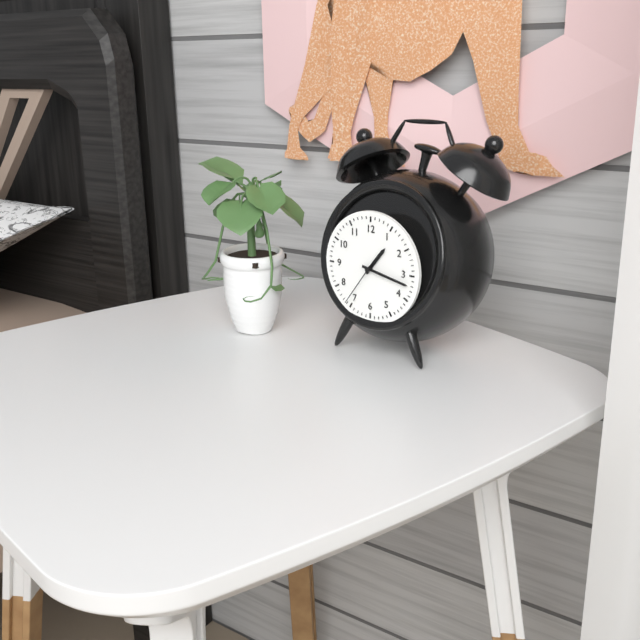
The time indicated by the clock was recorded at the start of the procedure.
1:17:36
